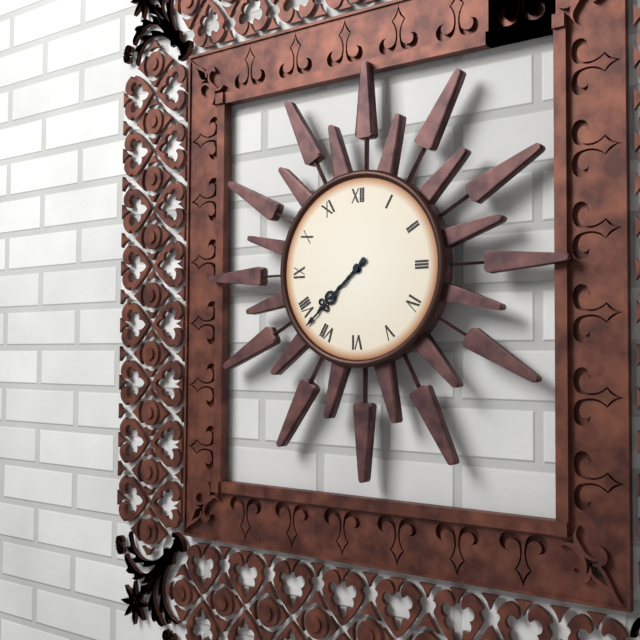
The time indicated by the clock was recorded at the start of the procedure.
7:38
